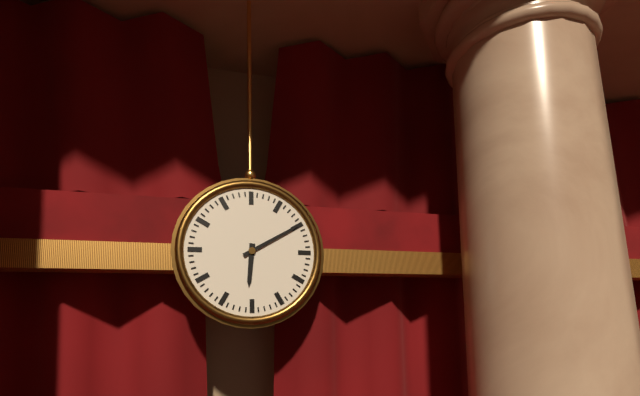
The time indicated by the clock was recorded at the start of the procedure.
6:10
